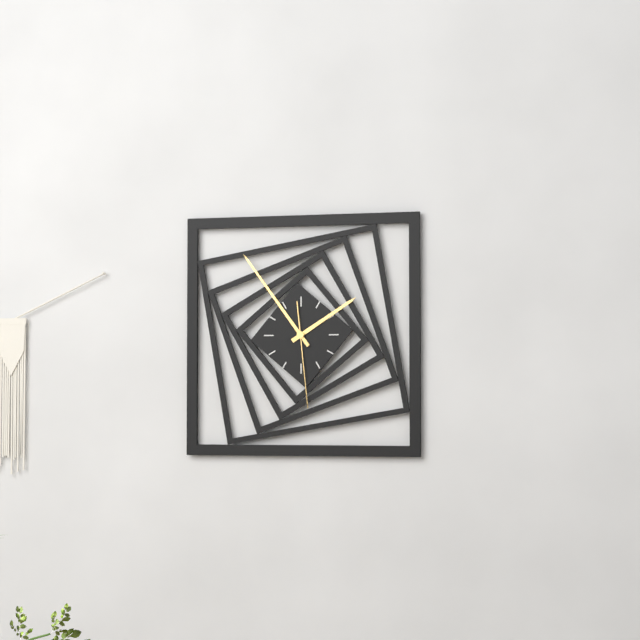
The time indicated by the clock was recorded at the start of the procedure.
1:54:29
